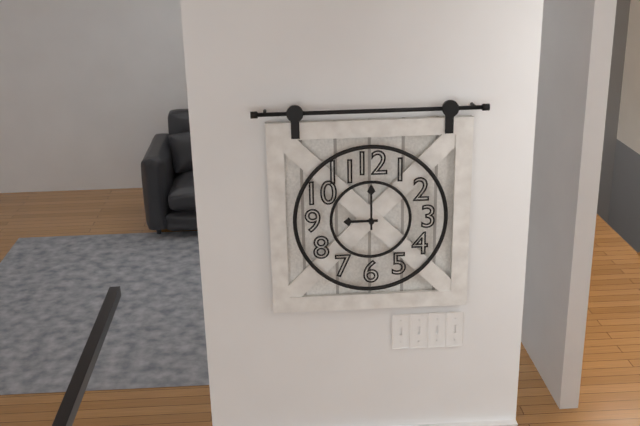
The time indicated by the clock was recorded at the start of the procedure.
9:00
